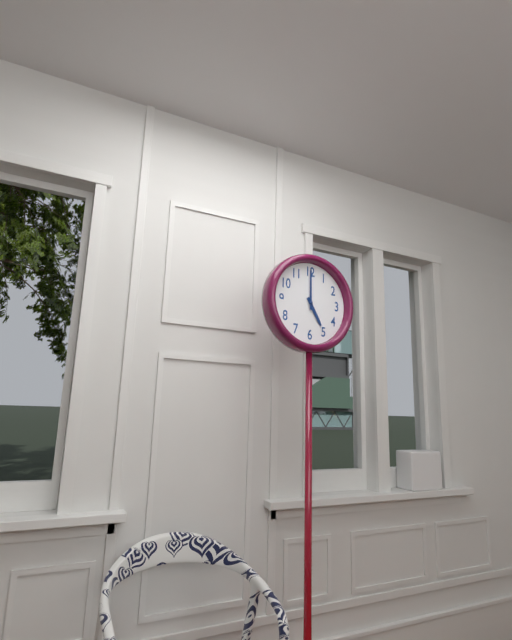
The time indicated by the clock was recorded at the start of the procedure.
5:00
